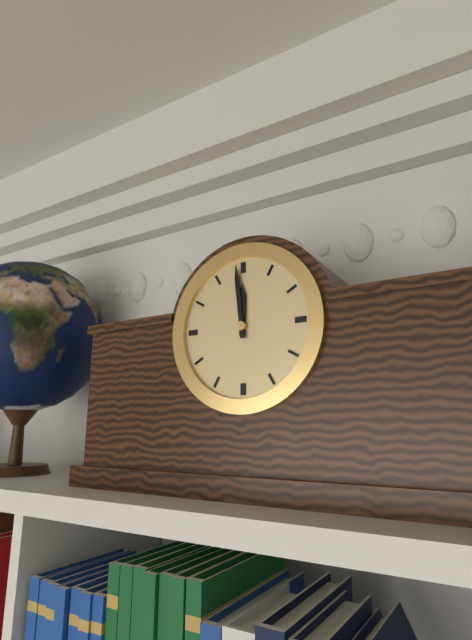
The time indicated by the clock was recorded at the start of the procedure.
11:59
